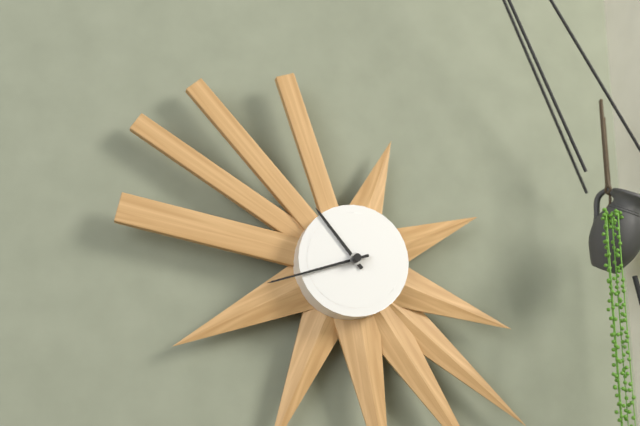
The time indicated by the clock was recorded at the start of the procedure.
10:42
